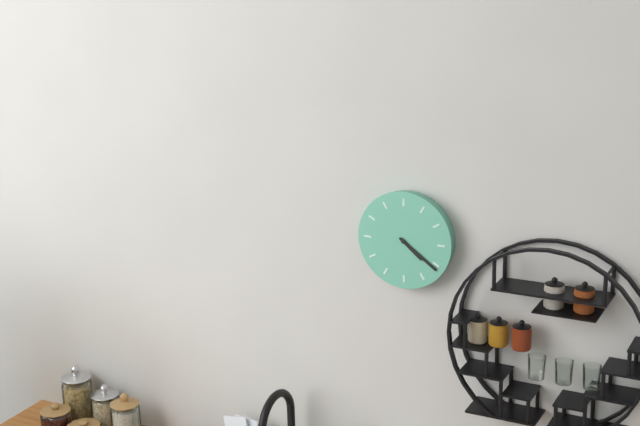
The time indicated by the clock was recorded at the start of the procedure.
4:21
